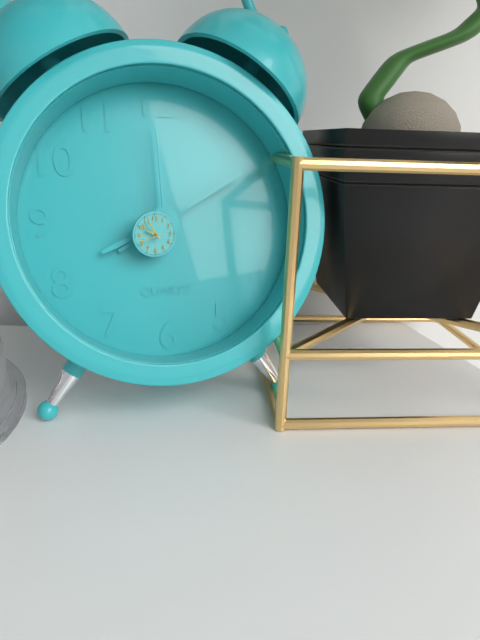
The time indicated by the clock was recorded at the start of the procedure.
9:55
